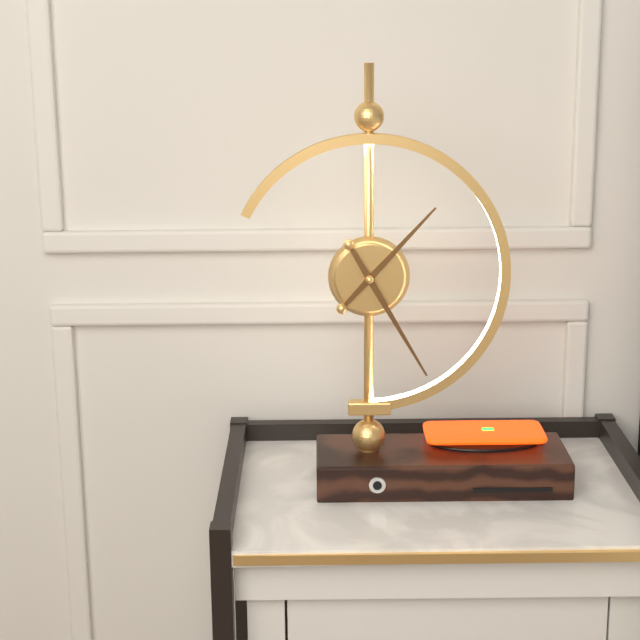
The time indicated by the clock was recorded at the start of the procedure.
1:25
